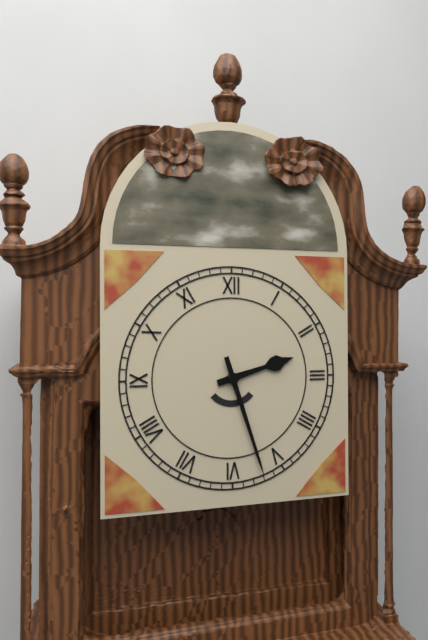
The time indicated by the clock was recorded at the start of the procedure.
2:27
